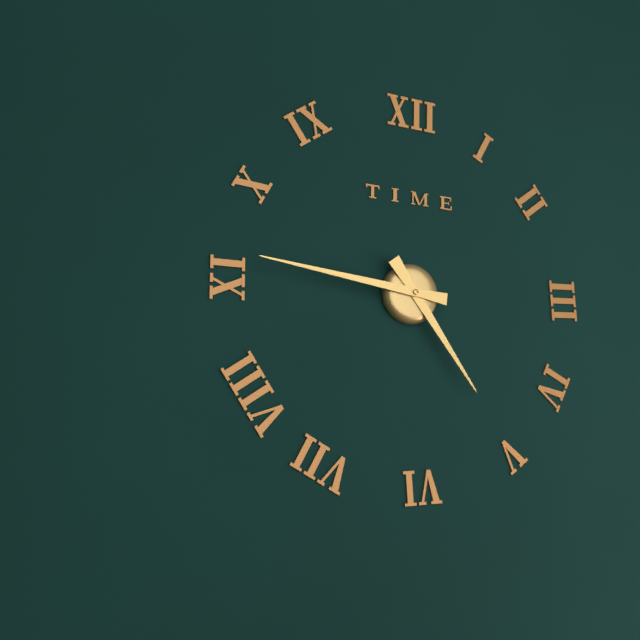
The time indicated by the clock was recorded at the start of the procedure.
4:46
